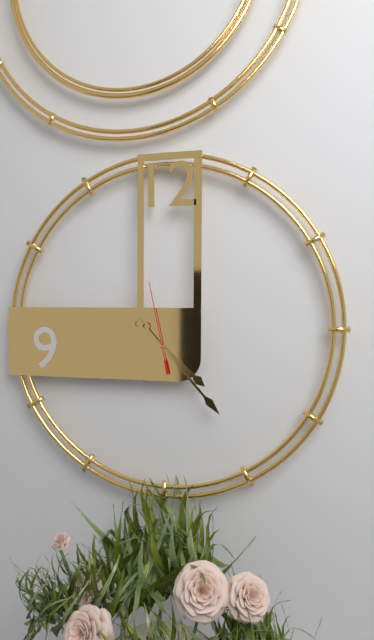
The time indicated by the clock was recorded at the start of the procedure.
4:23:58
